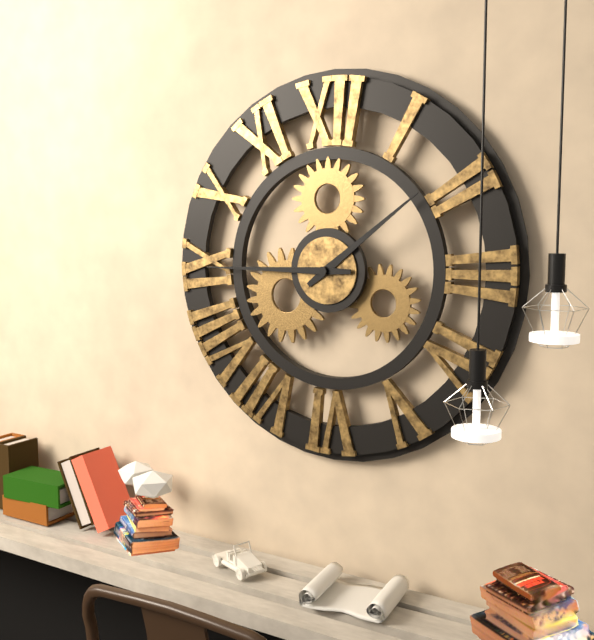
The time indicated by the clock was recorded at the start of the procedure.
1:45
